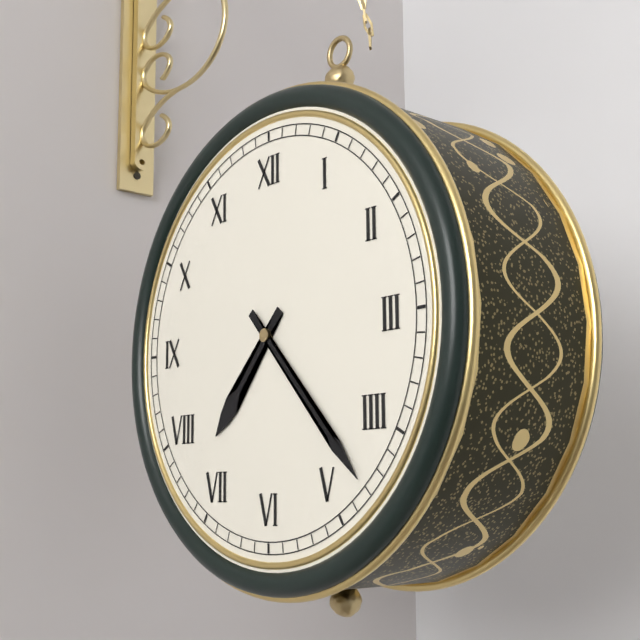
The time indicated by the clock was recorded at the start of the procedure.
7:23
